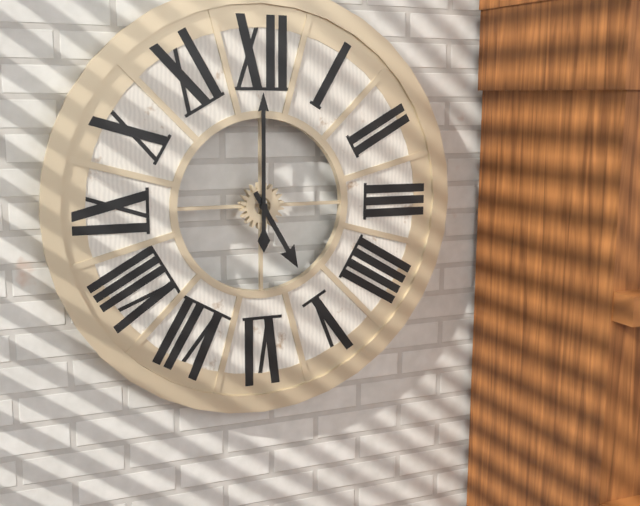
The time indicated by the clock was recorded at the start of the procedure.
5:00
